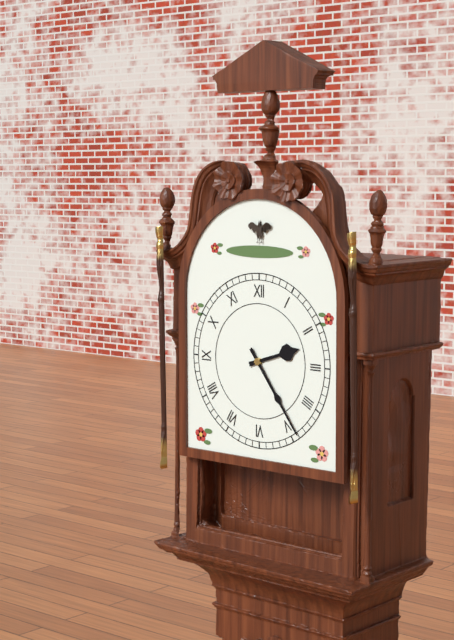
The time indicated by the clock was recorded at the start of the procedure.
2:24
